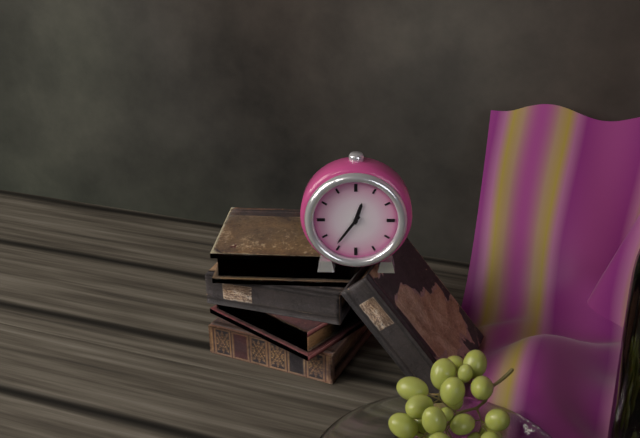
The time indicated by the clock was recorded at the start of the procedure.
12:36
